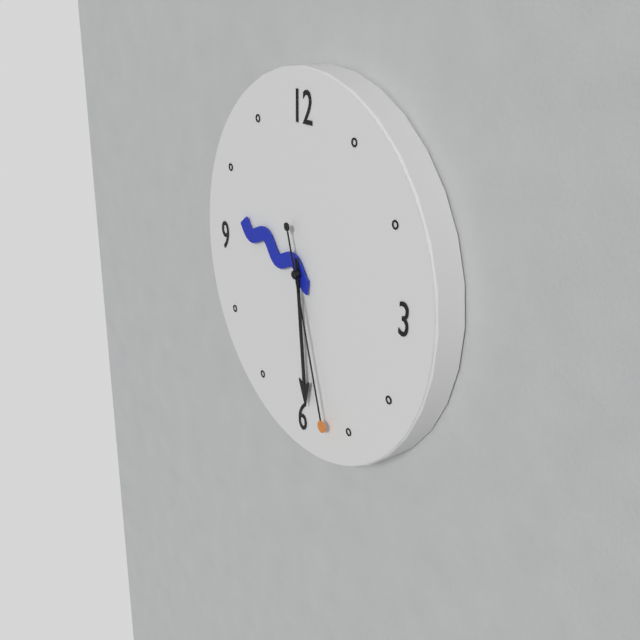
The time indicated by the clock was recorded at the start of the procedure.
9:29:27
